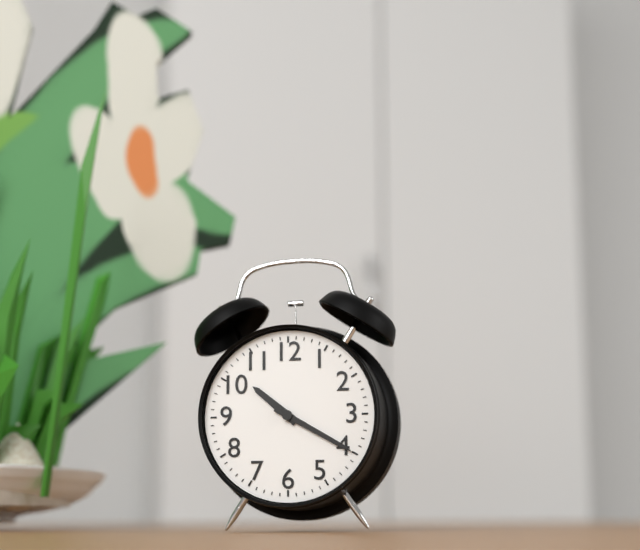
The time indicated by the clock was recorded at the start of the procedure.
10:20
